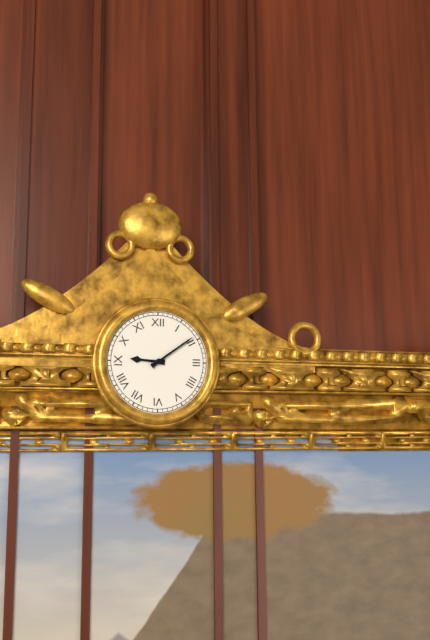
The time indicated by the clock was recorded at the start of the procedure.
9:09
